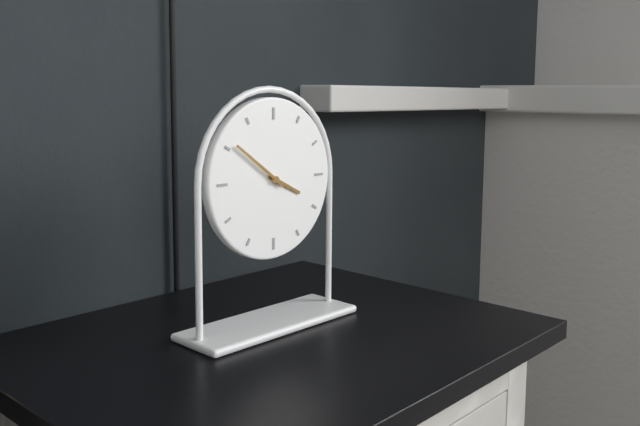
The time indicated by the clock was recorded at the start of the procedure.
3:51
